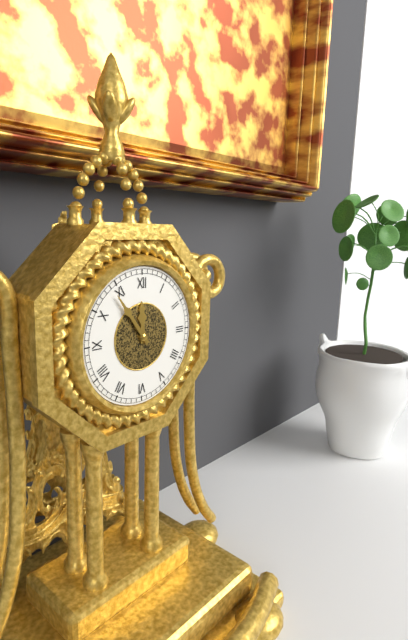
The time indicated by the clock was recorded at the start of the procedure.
11:54
